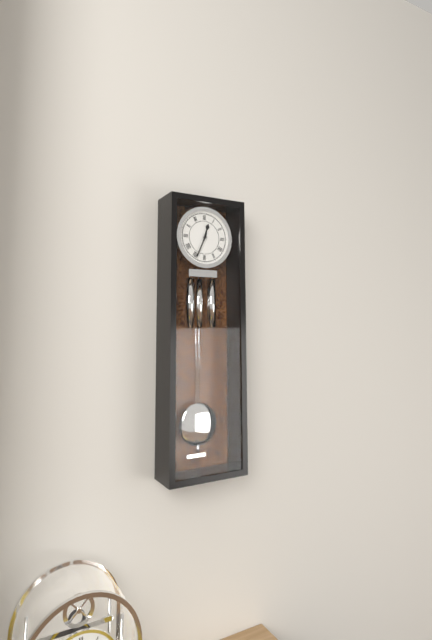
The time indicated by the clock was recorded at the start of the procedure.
12:34
